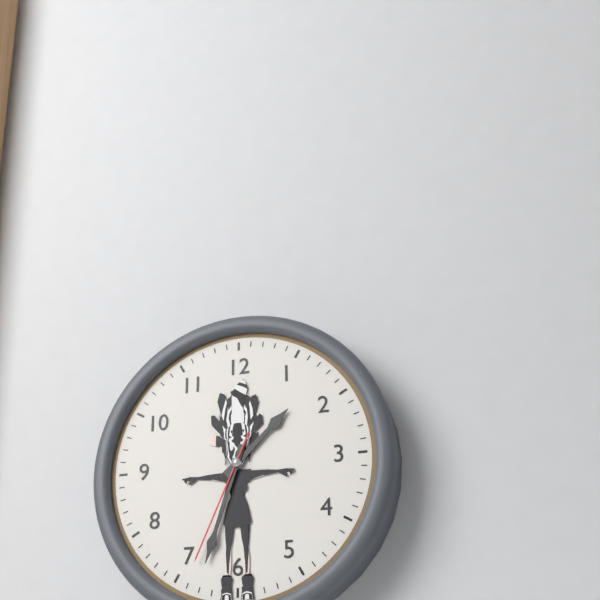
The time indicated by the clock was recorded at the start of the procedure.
1:33:34
